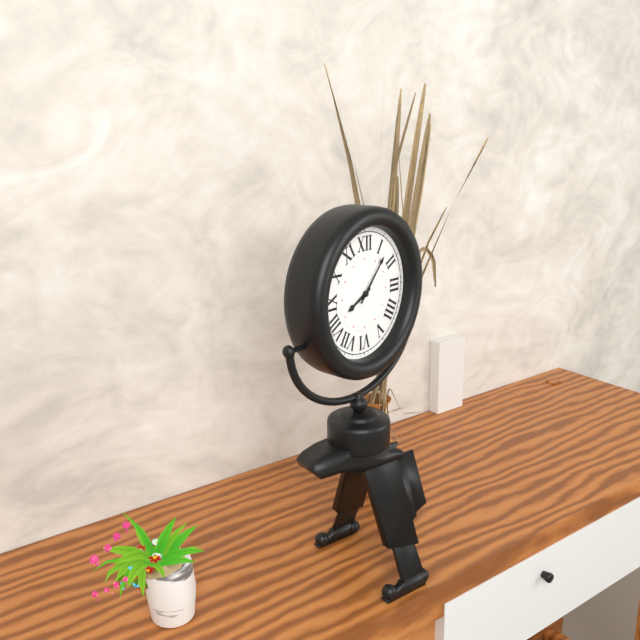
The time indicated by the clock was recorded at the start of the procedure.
8:07
